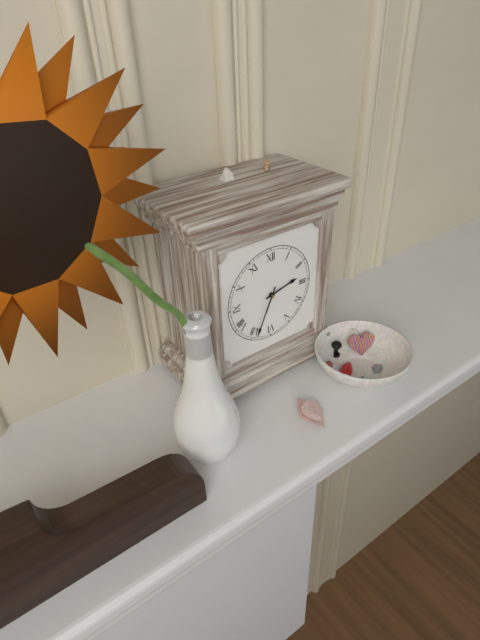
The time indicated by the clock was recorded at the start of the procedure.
2:34
